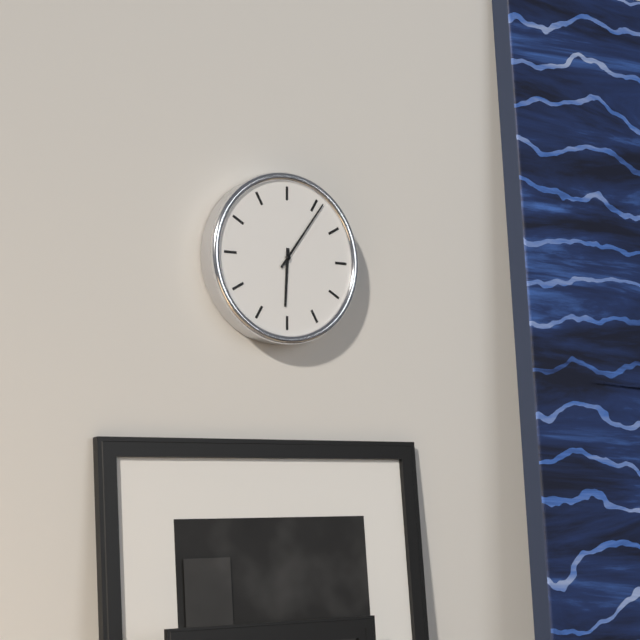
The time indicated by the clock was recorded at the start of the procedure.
6:06
